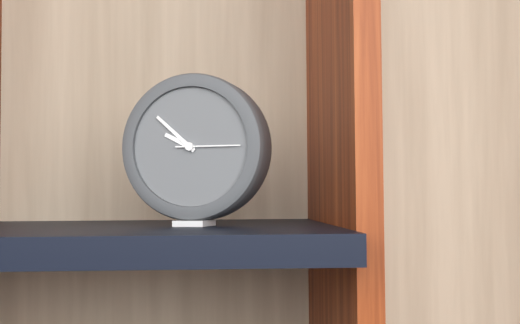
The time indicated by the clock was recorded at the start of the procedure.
9:52:15
